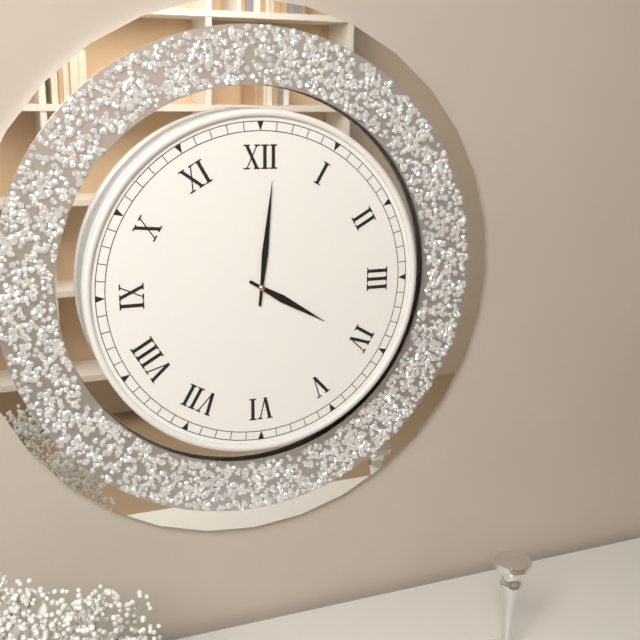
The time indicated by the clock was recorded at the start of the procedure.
4:01
